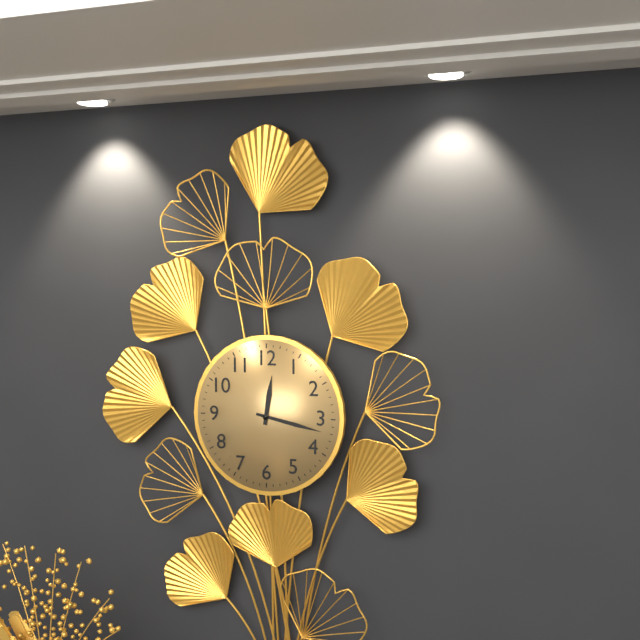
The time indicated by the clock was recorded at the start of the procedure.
12:17
